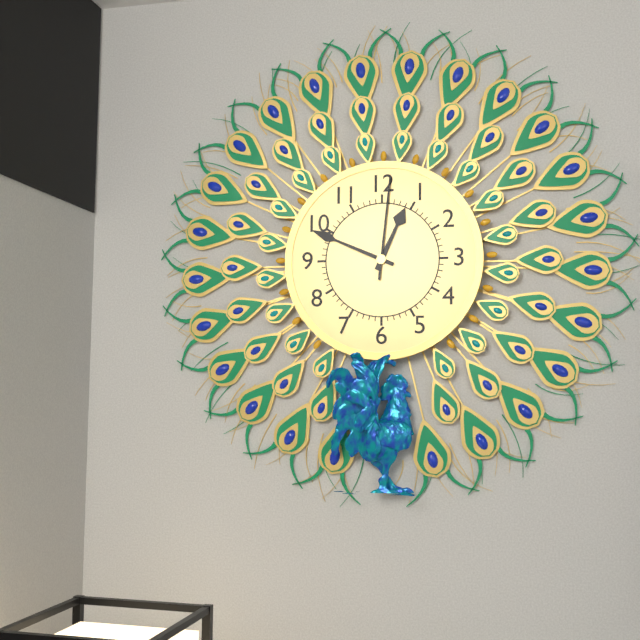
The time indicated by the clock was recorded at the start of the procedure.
12:49:01
